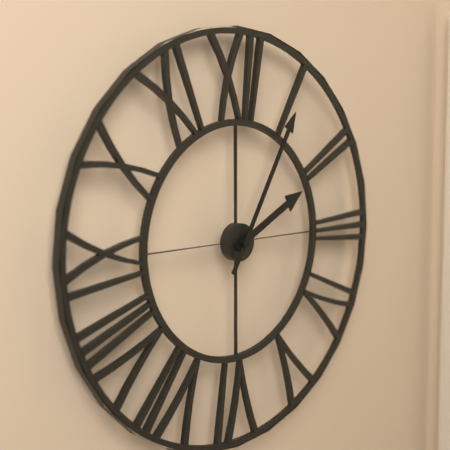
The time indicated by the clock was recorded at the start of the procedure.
2:05
